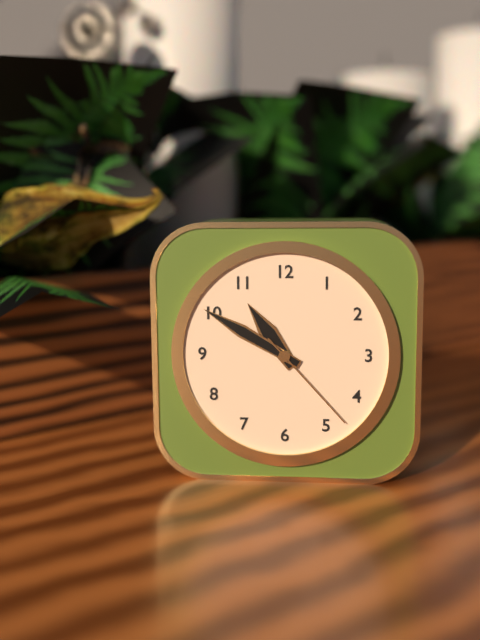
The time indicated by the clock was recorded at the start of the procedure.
10:50:23
